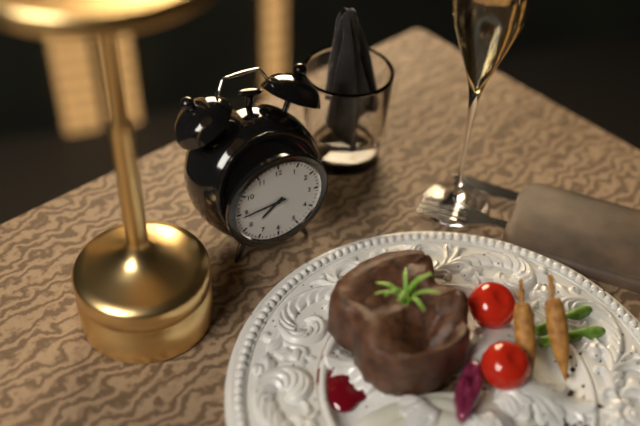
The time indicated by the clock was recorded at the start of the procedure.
7:44
